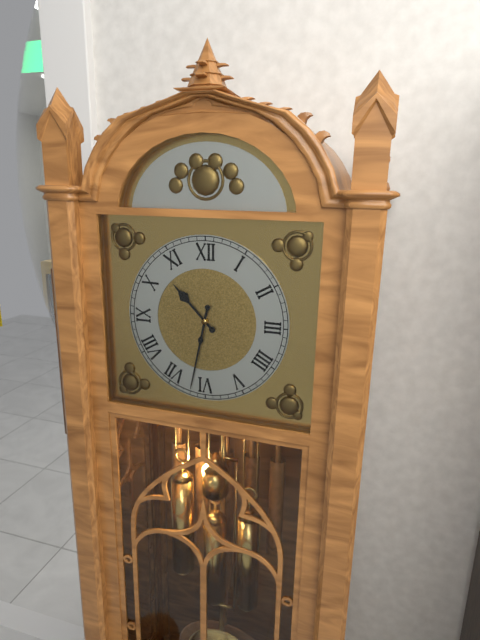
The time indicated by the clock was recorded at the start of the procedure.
10:32
